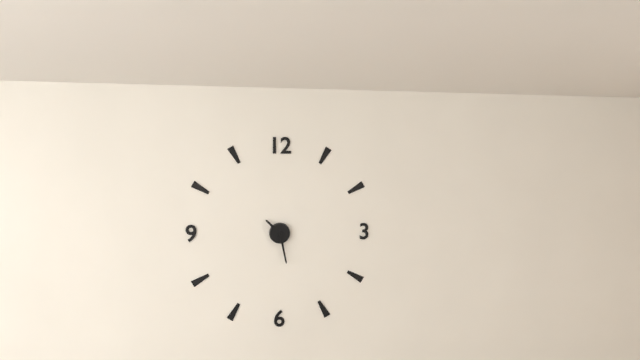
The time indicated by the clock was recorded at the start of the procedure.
10:28
